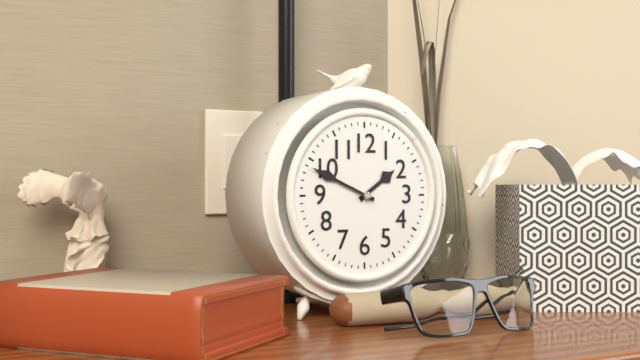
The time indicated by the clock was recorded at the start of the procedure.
1:49
